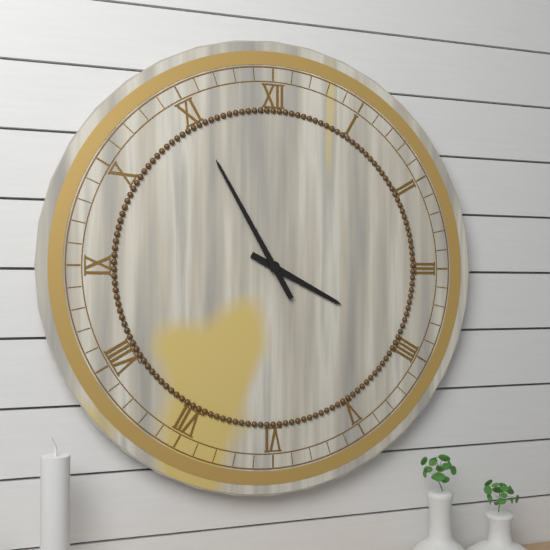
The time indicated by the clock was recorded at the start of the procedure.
3:55
